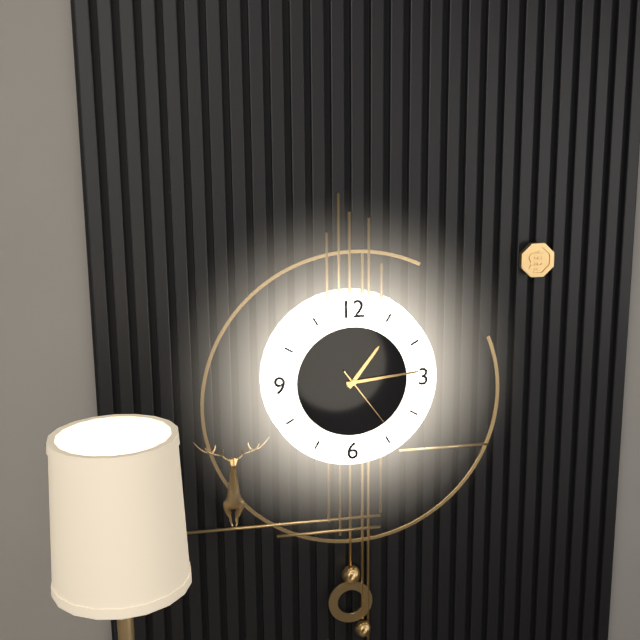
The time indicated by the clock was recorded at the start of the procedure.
1:14:24
